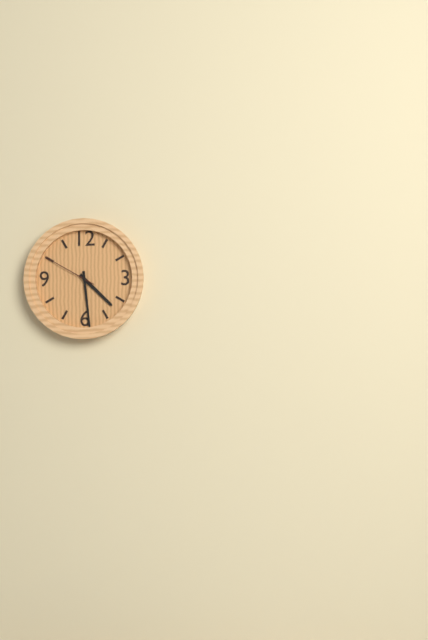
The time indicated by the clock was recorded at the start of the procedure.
4:29:50
